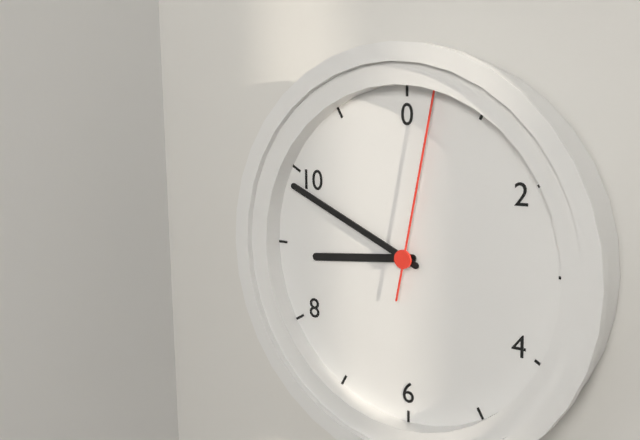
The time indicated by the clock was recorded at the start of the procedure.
8:49:02
